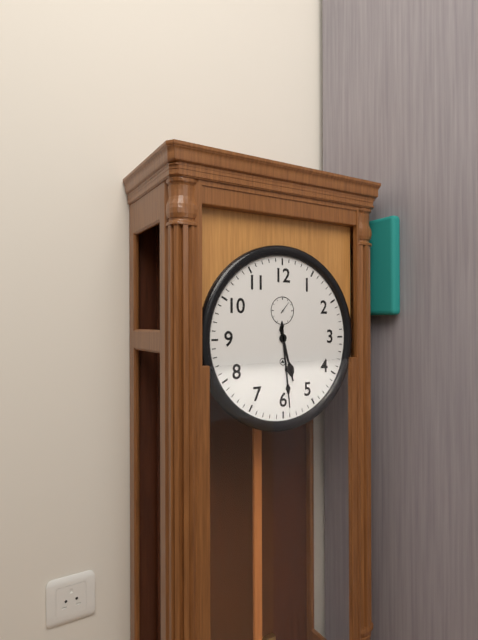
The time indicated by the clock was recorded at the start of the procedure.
5:29
